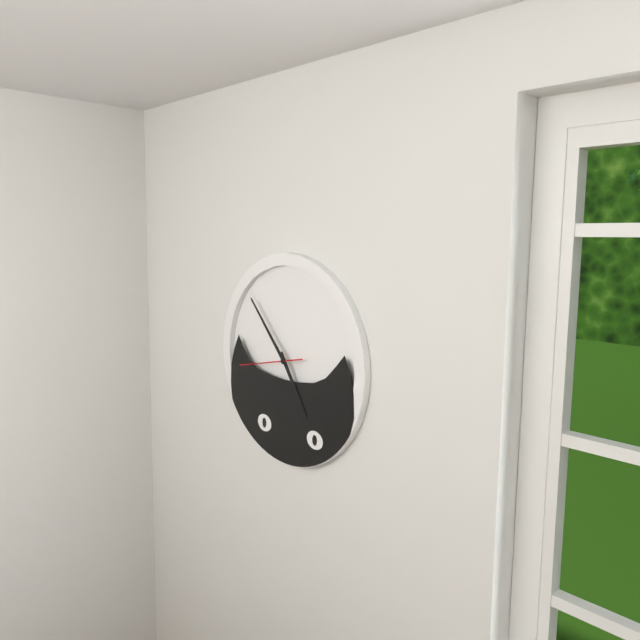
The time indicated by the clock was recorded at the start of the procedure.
4:53:43
